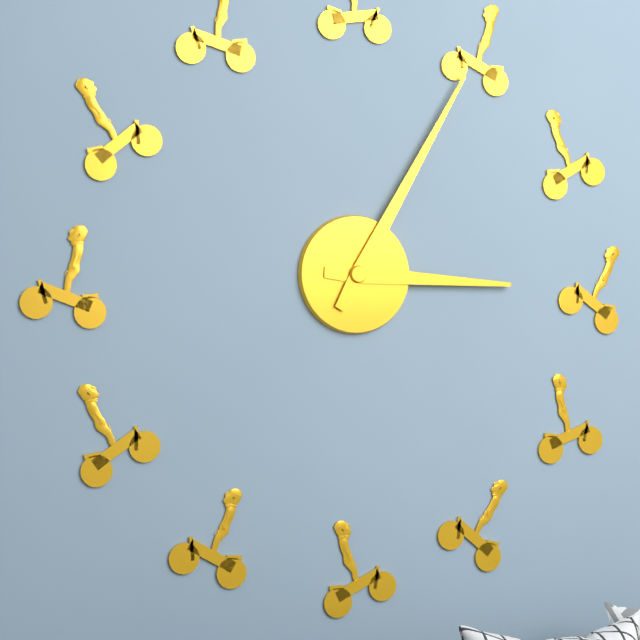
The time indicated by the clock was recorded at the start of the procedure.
3:05
